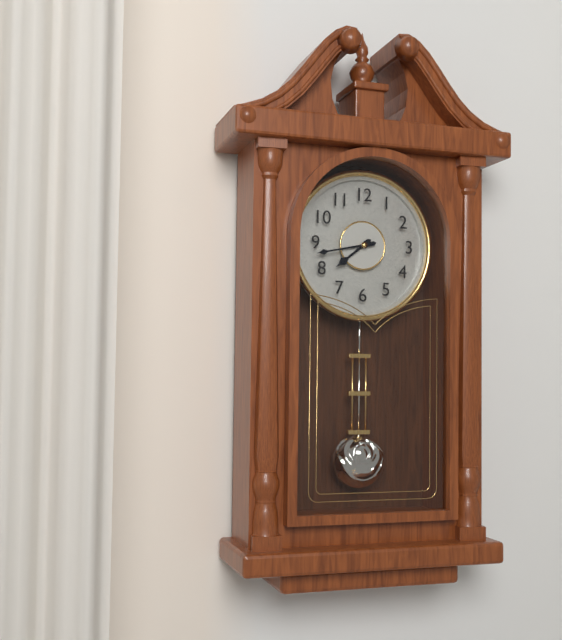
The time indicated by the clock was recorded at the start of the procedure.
7:43
